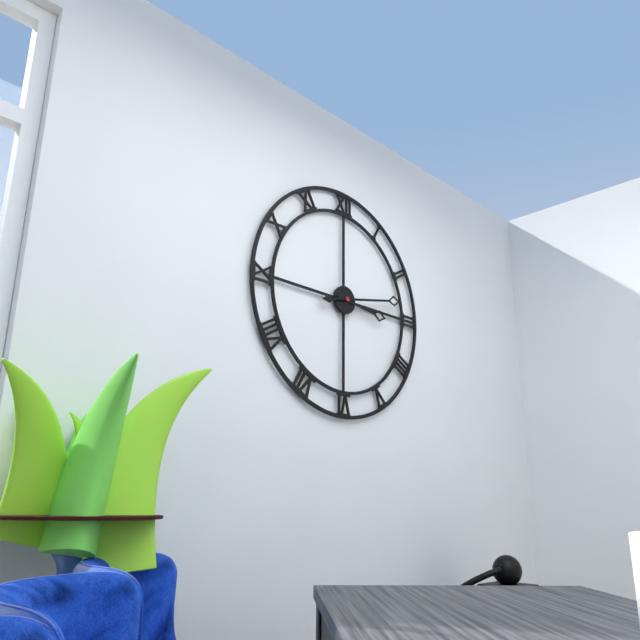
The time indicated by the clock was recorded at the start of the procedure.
3:13
